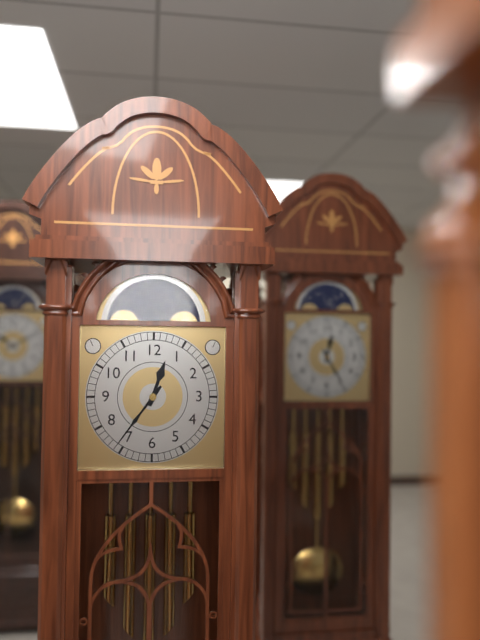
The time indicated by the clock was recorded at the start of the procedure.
12:36
